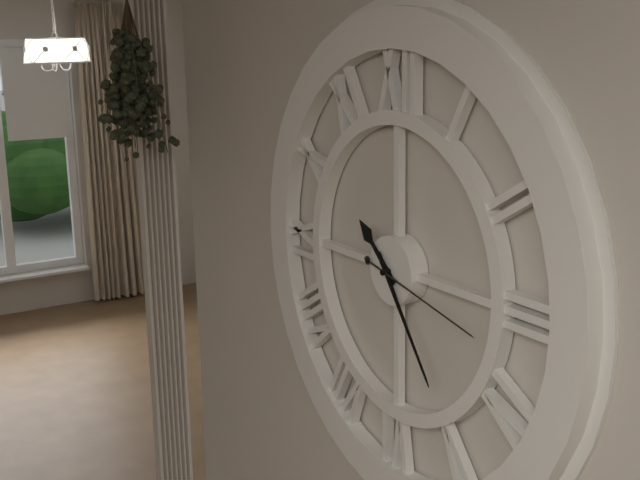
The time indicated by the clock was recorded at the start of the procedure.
10:24:17
